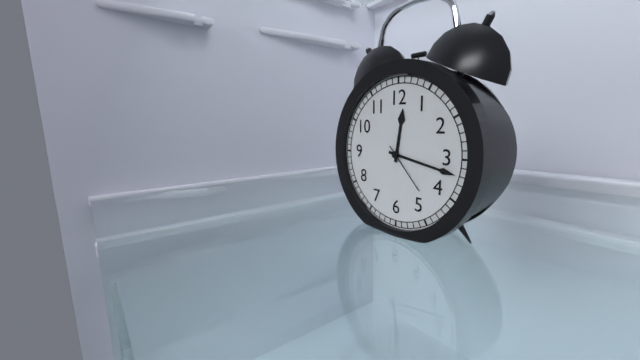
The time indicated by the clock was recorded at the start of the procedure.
12:17:23
